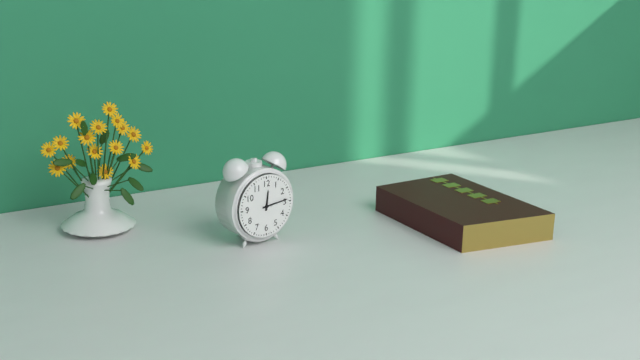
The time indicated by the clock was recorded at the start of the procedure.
12:14
